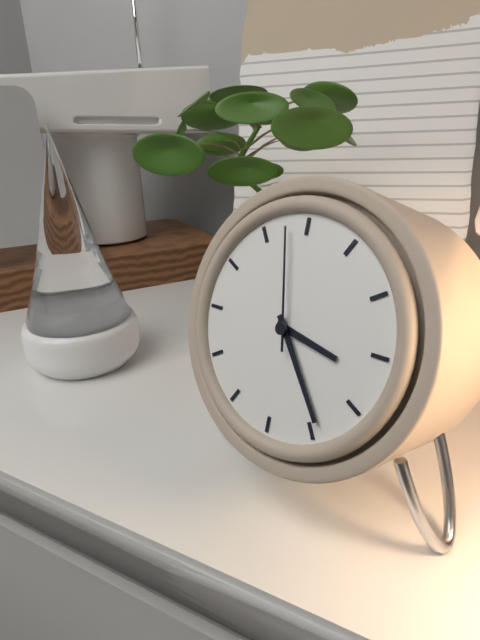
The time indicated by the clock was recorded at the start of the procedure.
3:24:58
